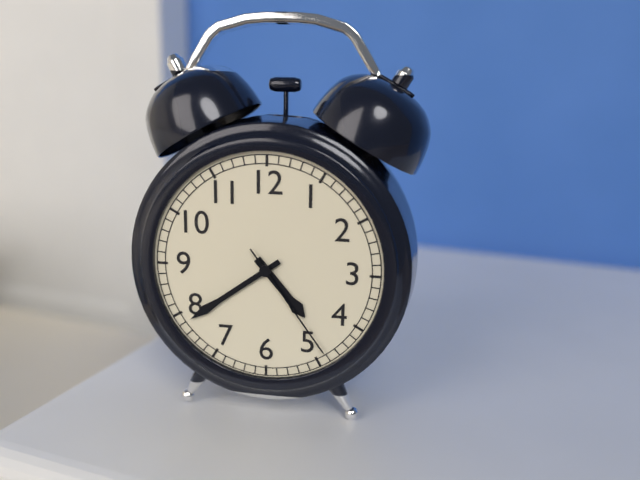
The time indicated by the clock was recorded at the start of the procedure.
4:39:24
